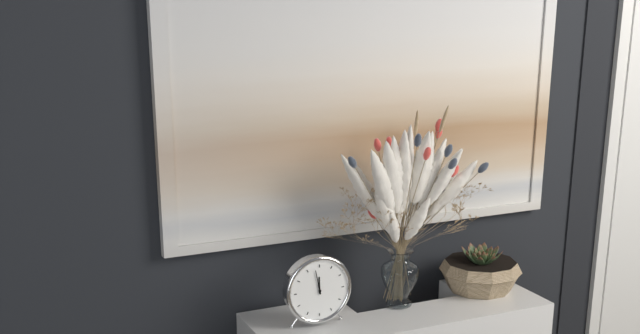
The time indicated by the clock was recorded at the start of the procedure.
11:58
